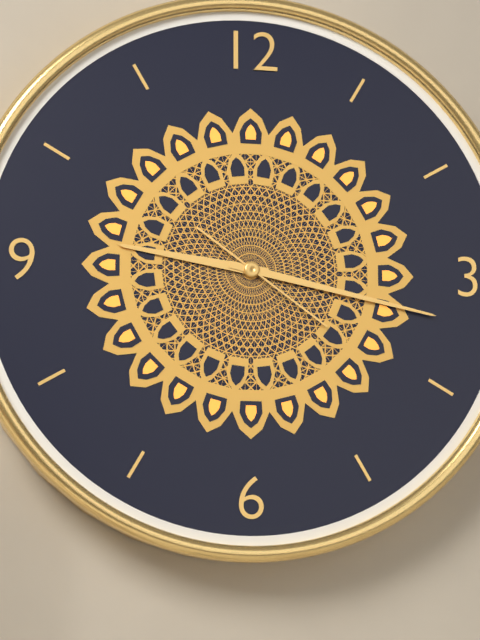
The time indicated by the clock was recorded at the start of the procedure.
9:17:21
